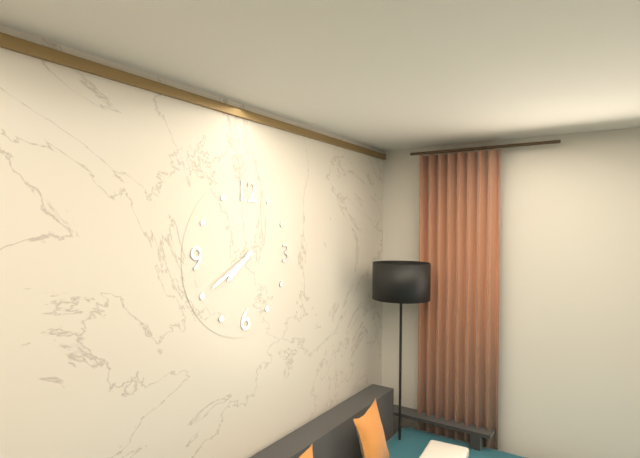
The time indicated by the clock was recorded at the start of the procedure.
7:40
